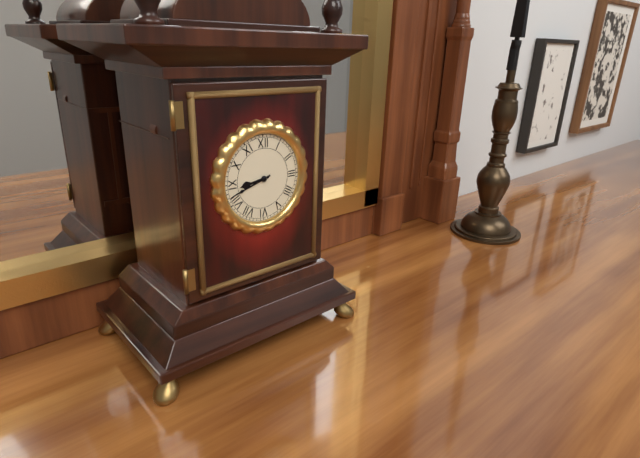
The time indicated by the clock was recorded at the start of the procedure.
8:42
